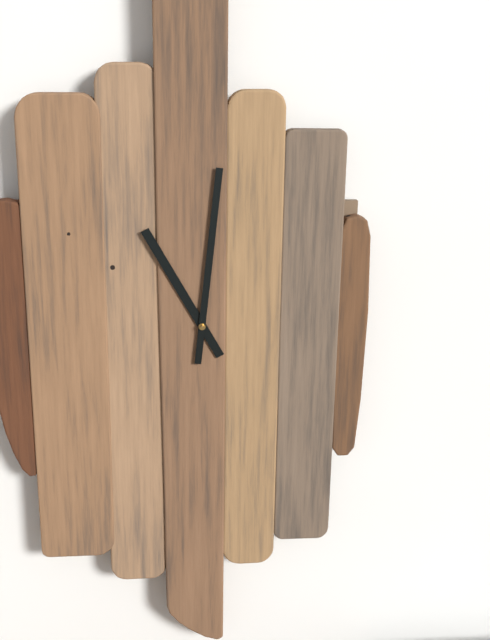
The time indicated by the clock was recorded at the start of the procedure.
11:01
